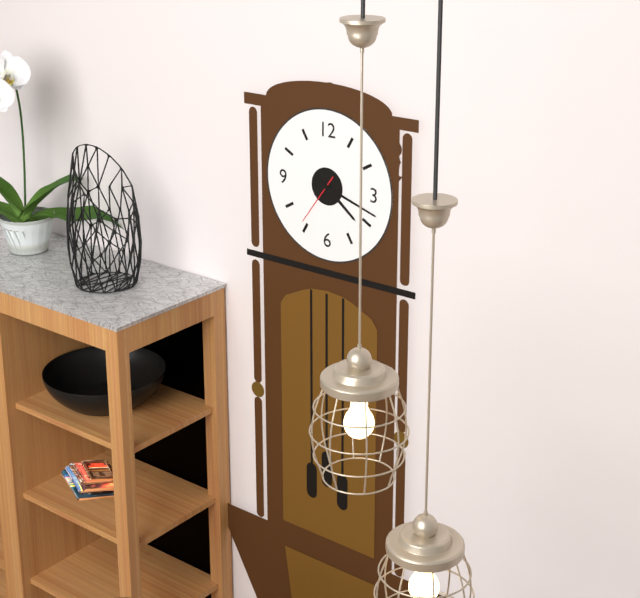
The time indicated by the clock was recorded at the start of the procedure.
4:18:36
